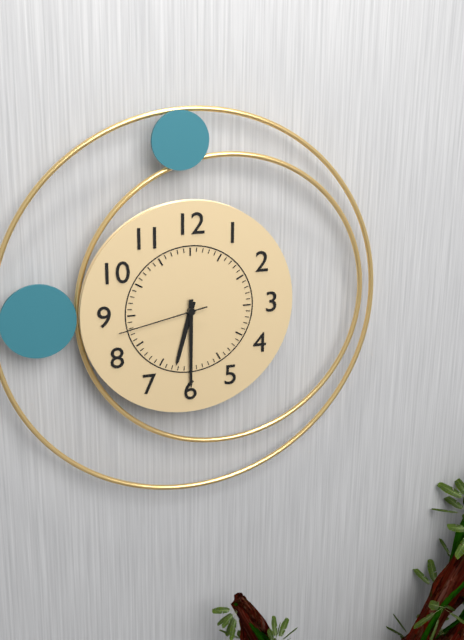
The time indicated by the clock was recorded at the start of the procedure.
6:30:43
